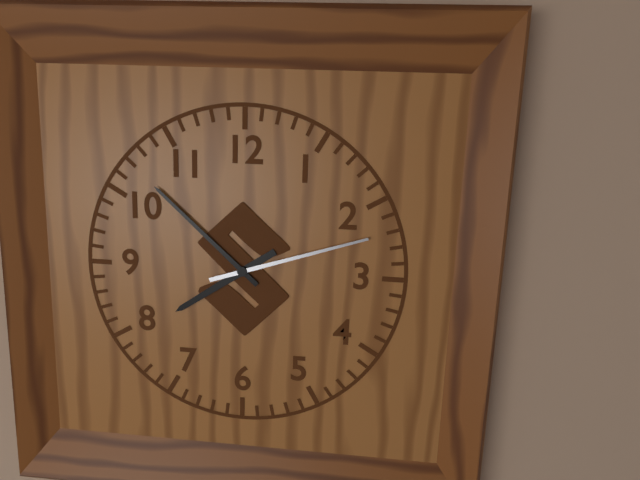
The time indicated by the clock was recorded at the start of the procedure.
7:52:12
